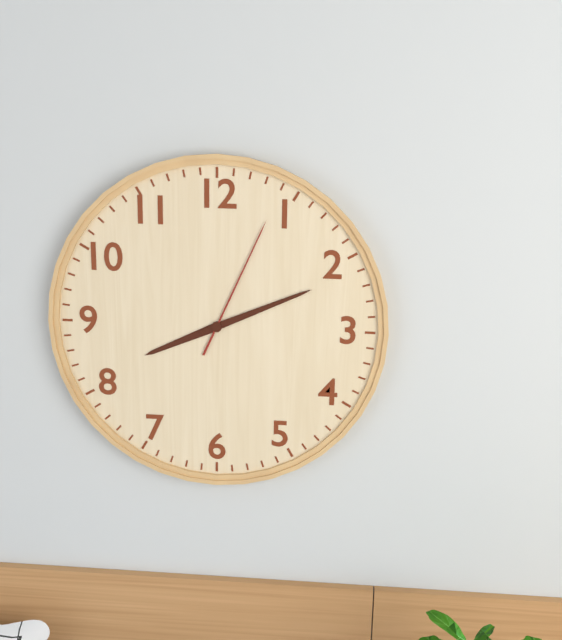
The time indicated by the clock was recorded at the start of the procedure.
8:11:04
